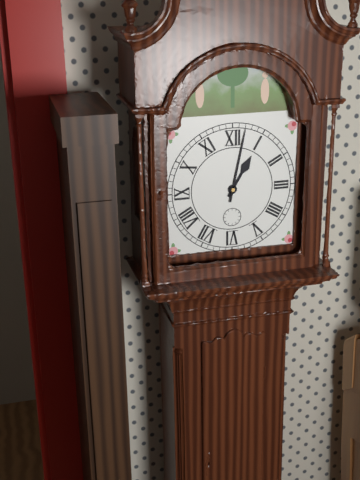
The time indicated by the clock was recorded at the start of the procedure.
1:02
